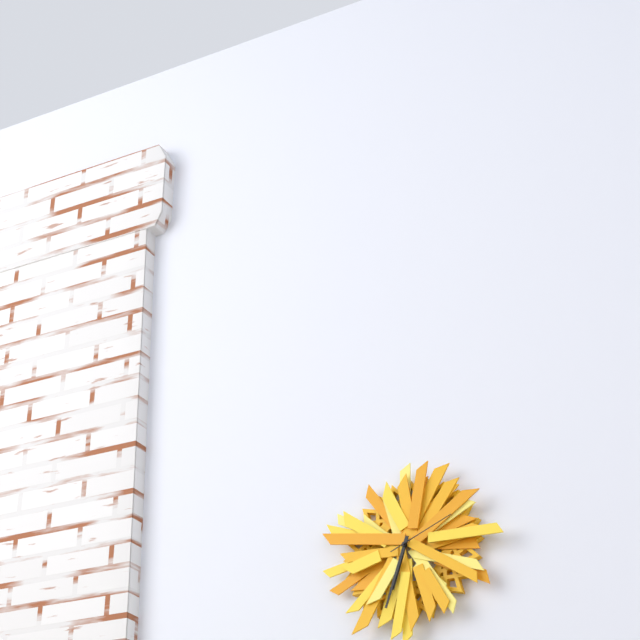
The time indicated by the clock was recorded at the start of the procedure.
6:33:11
